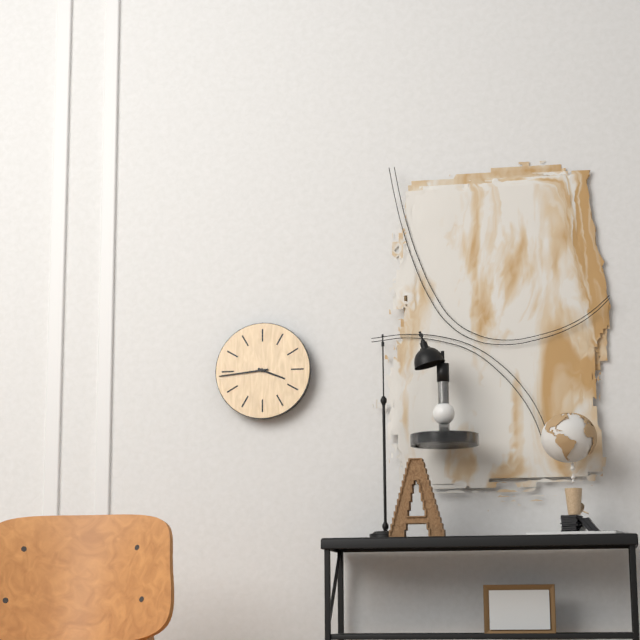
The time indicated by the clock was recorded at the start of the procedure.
3:44
